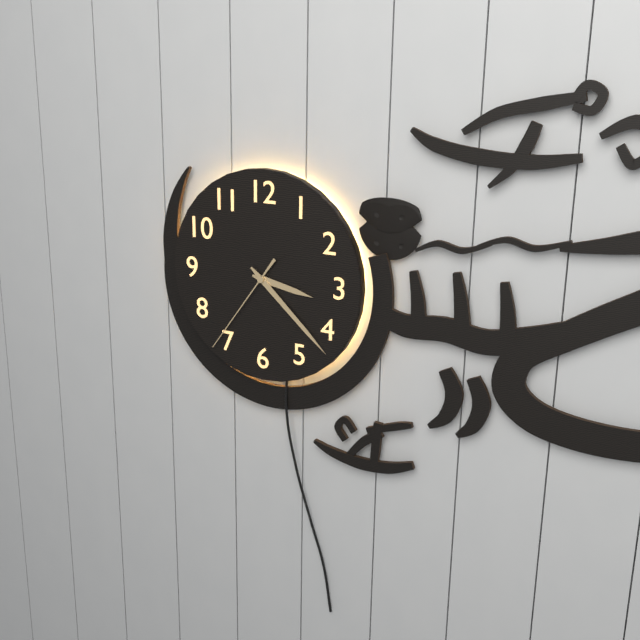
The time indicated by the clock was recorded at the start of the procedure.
3:22:36
